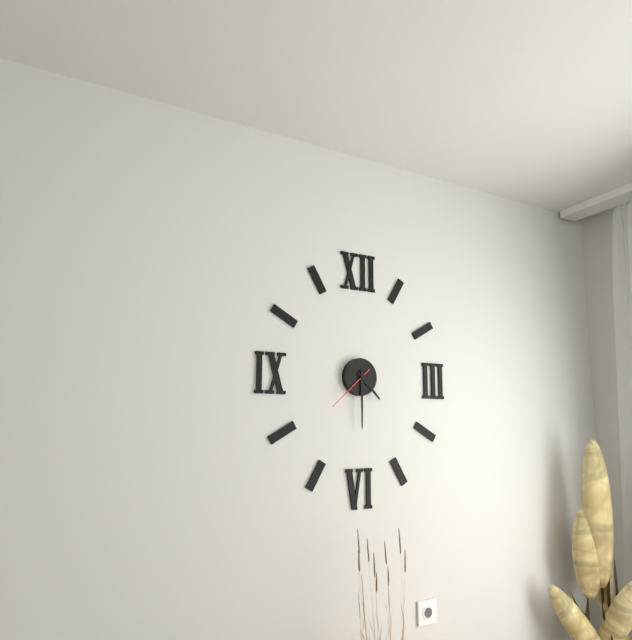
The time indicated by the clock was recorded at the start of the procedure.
4:30
